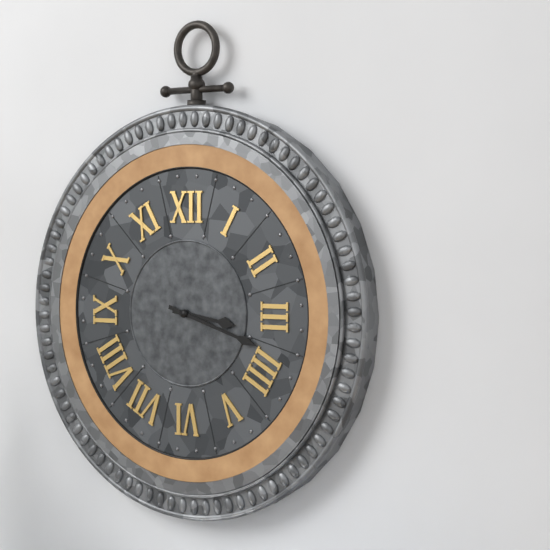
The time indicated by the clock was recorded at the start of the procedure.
3:18
